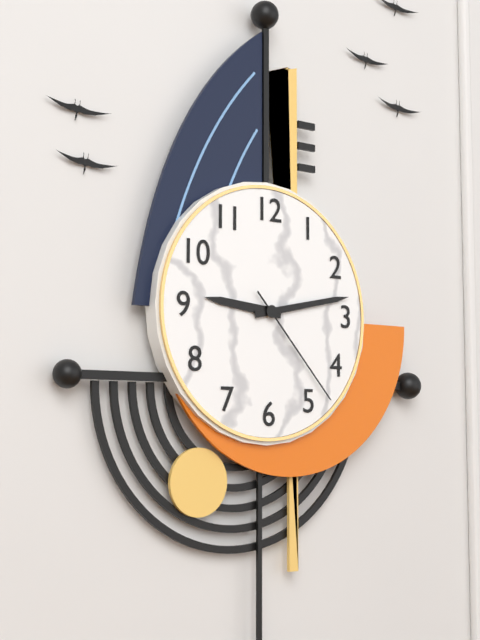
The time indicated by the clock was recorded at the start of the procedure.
9:13:23
